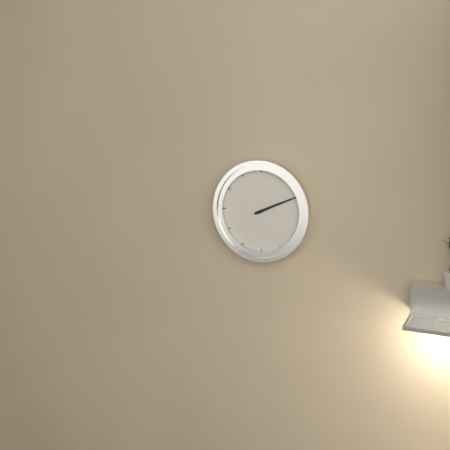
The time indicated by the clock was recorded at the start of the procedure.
2:11
